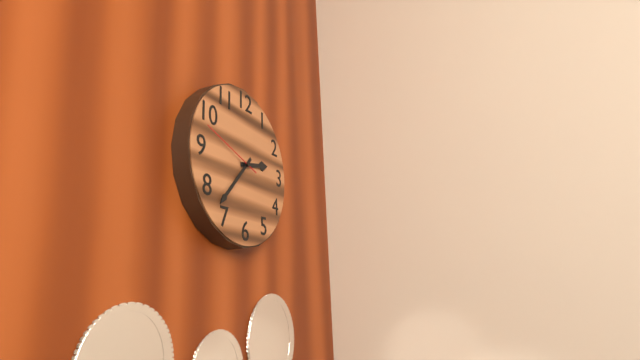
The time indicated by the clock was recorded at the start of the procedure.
2:37:48
